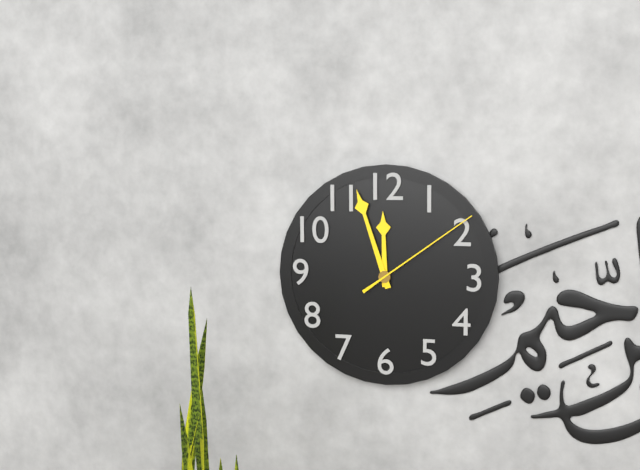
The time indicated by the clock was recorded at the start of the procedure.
11:57:09
